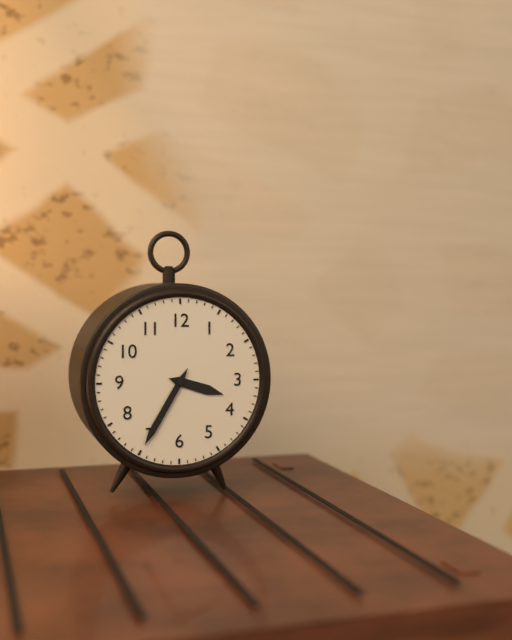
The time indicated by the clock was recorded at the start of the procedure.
3:35
